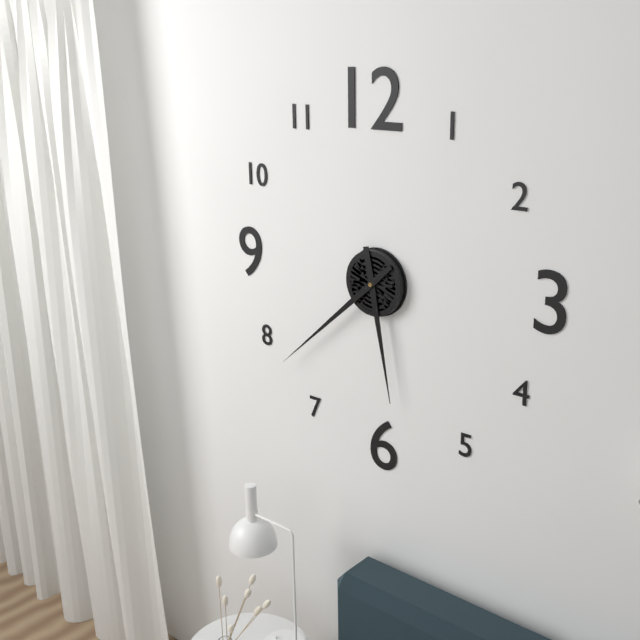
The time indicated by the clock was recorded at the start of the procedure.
5:38
